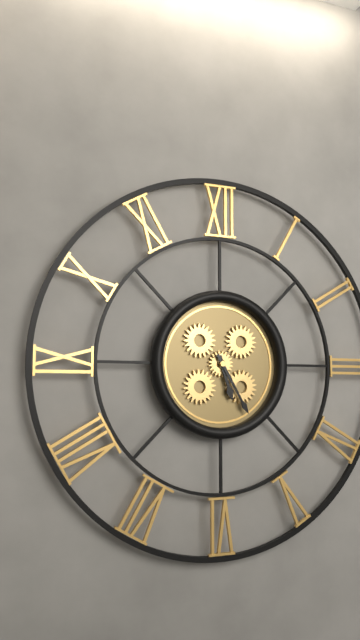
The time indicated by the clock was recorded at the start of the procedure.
5:25
